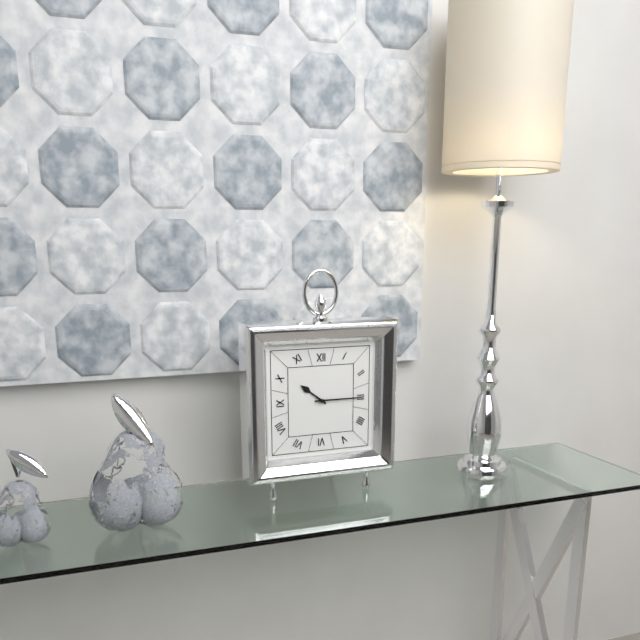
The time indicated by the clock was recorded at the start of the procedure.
10:15
